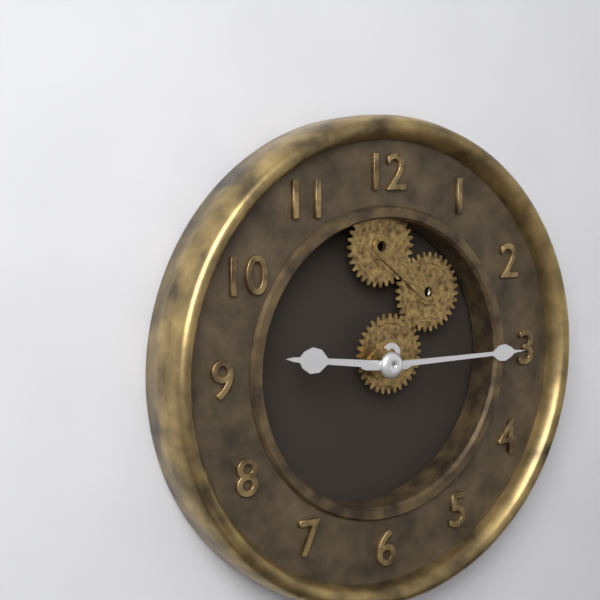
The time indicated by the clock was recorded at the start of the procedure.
9:15
